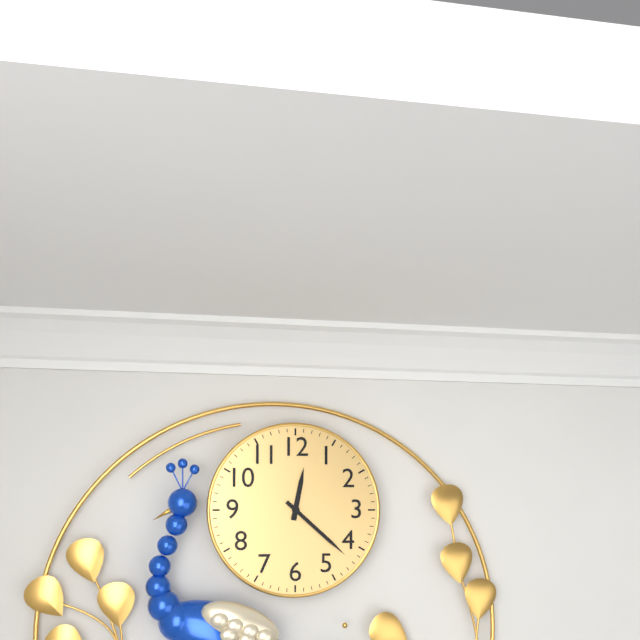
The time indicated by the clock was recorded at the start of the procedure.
12:22
